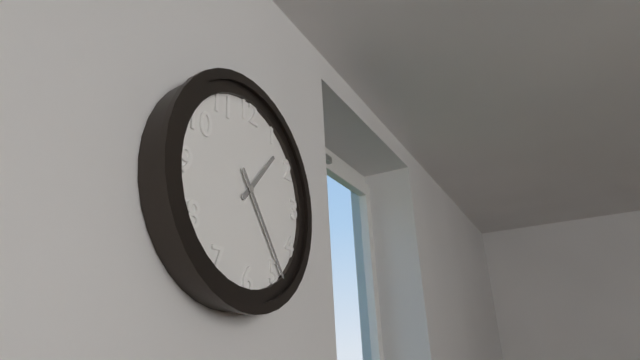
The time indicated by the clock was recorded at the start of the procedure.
1:24
